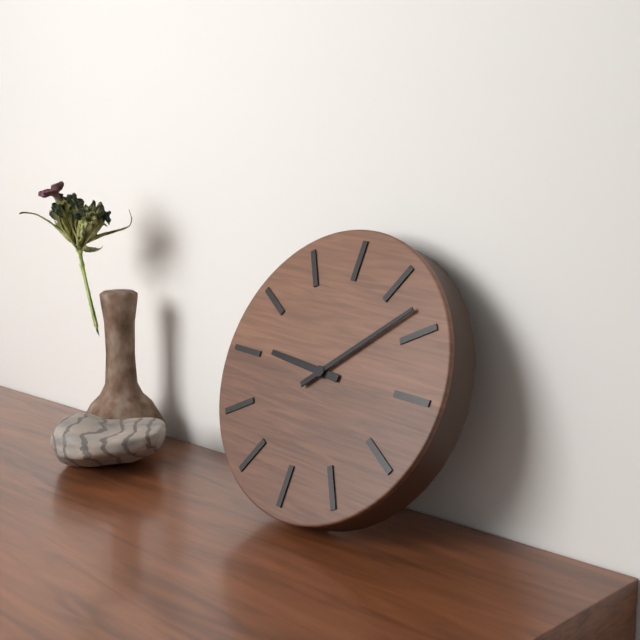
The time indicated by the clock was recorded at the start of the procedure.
9:08
